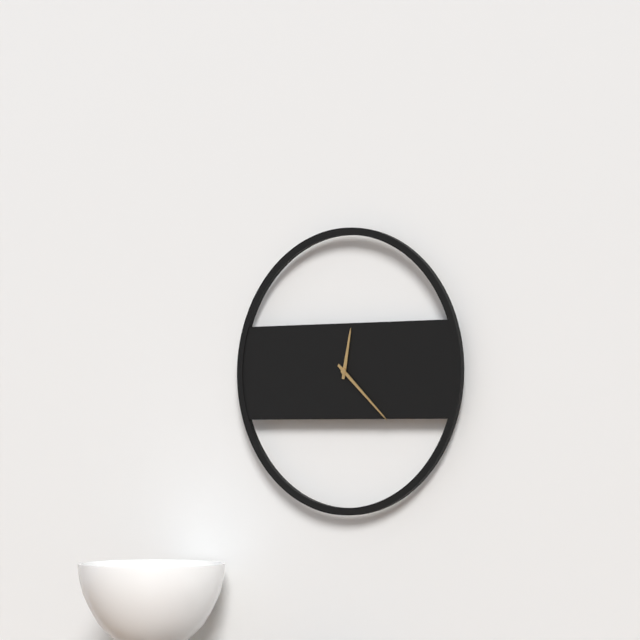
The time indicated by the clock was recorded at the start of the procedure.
12:22
